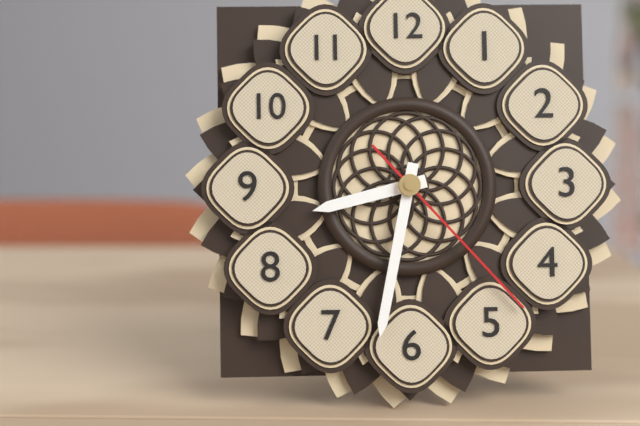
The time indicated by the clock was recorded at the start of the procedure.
8:32:23
